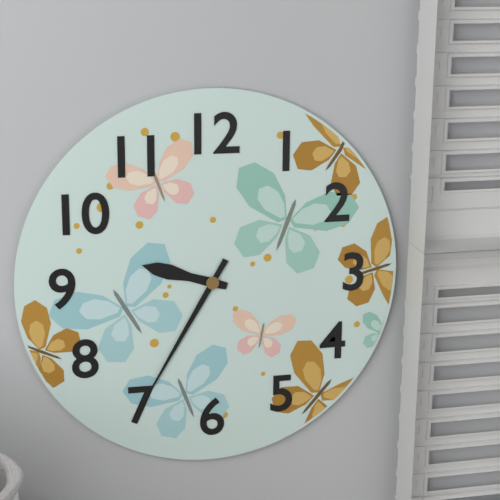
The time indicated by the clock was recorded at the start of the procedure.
9:35
